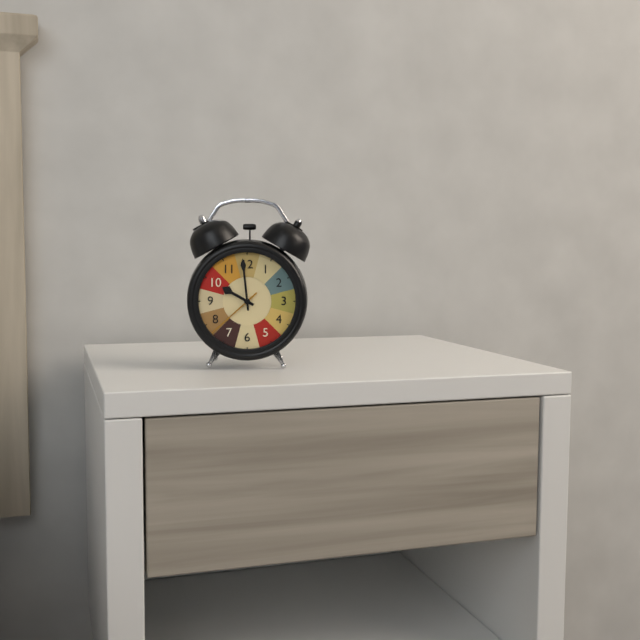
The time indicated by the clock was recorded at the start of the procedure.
9:59:38
